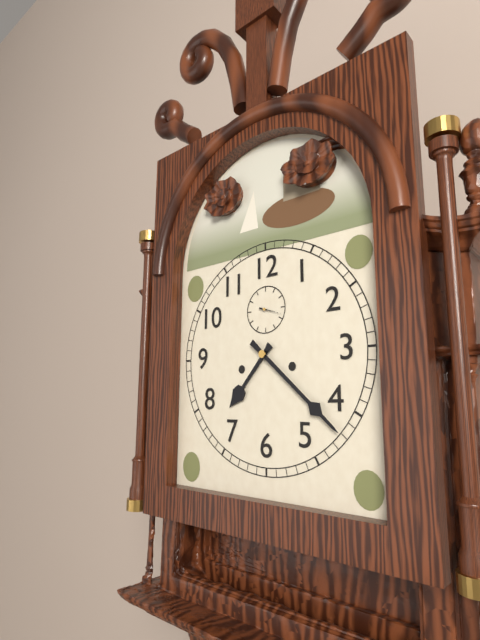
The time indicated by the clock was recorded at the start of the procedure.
7:22
